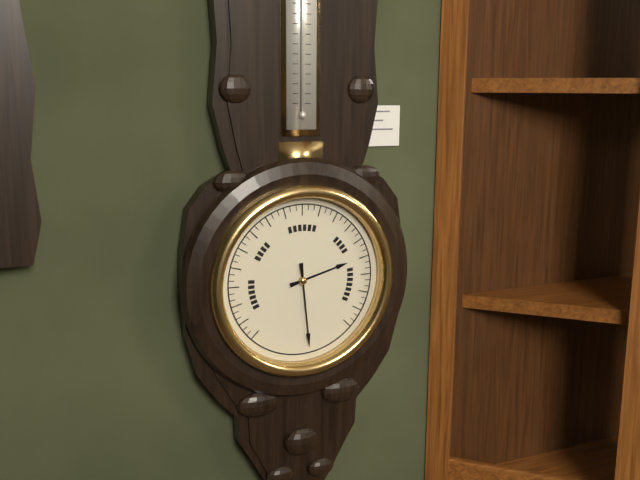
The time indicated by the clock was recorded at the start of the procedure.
2:29
